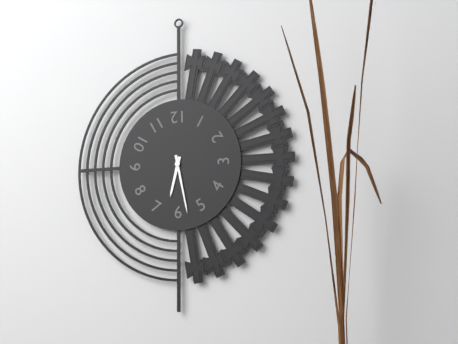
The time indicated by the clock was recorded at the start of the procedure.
6:28
